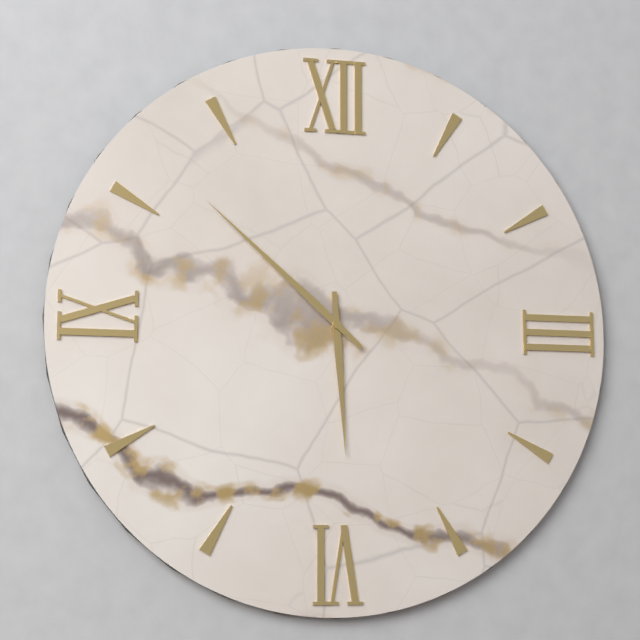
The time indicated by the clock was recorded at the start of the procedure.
5:52
